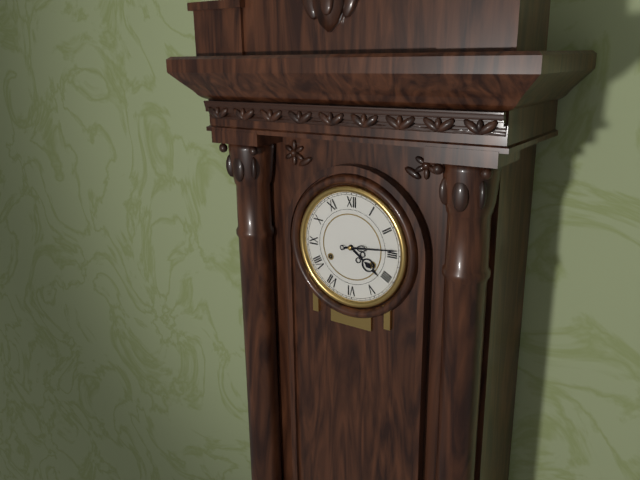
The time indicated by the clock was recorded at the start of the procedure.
4:14
